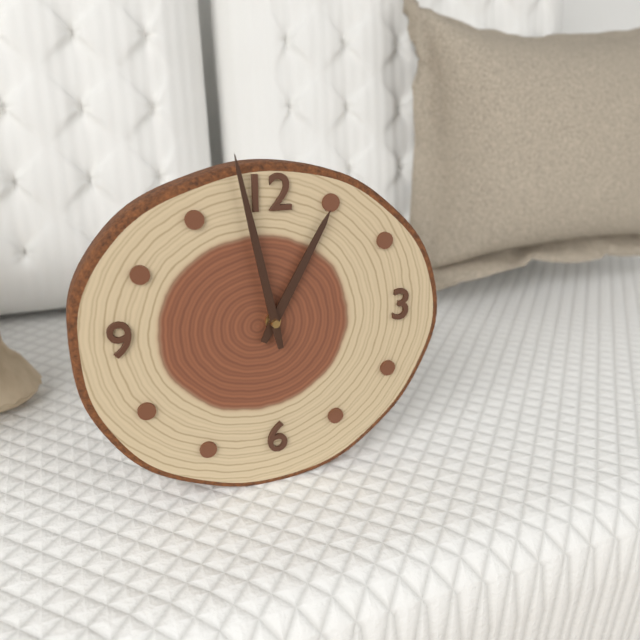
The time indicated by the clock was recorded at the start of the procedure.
12:58
